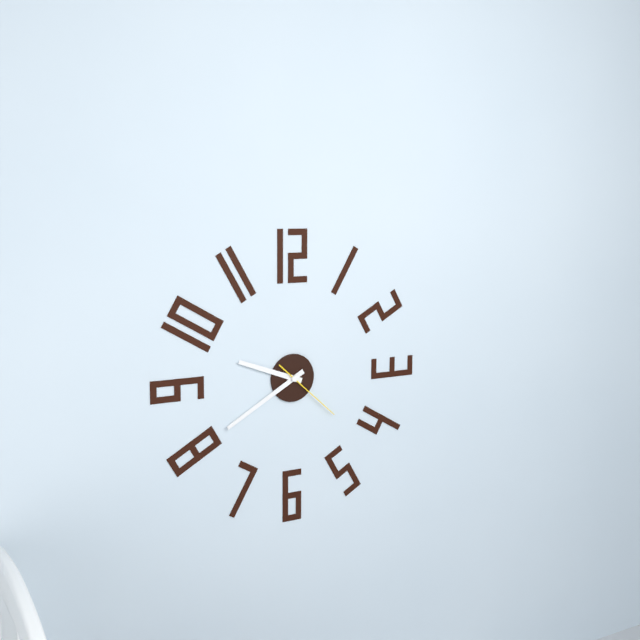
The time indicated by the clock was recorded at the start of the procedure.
9:40:22
